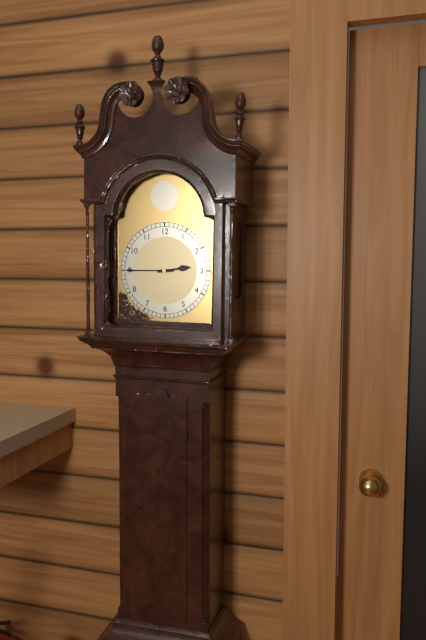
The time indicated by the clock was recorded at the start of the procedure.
2:45
